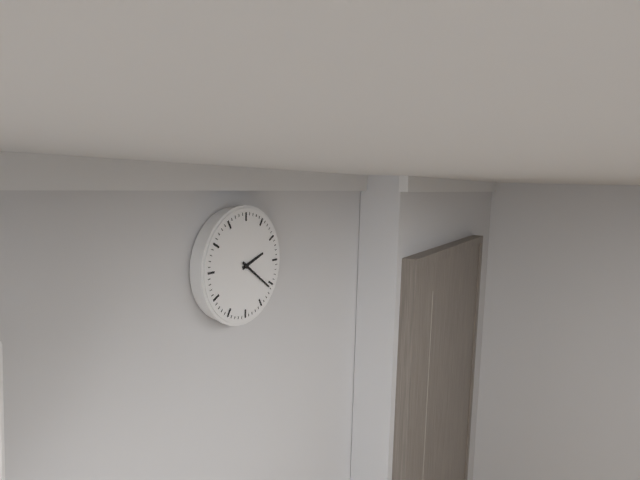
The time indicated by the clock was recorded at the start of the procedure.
2:21
